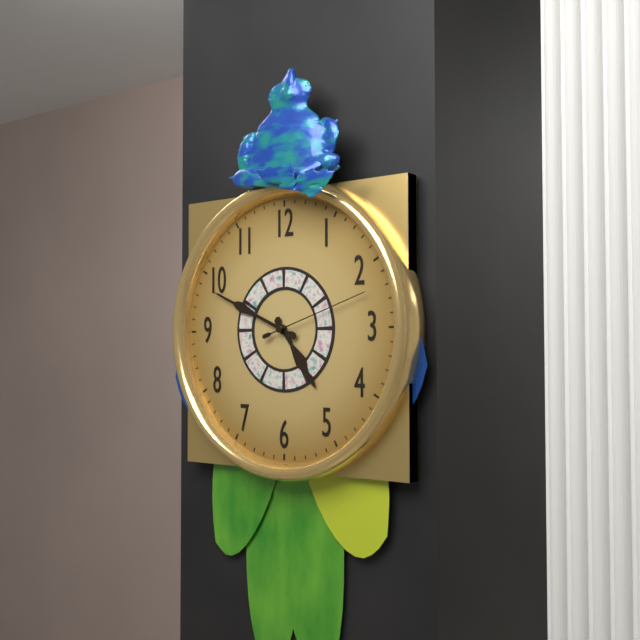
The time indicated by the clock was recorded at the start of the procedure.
4:49:12
